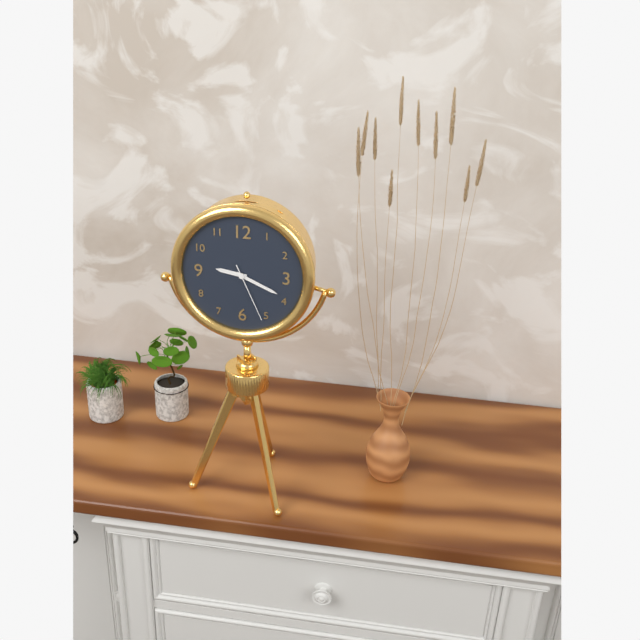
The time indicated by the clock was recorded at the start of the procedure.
9:19:26
